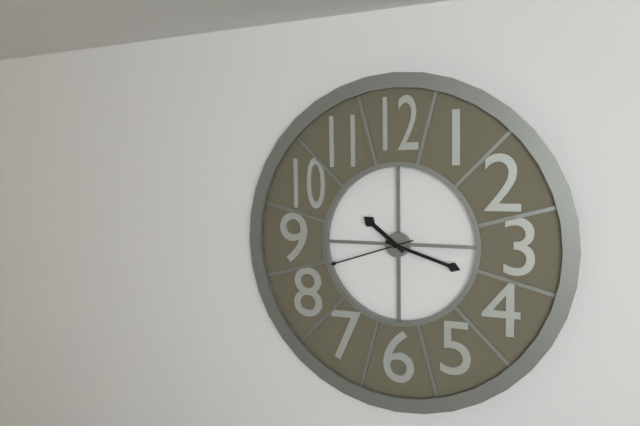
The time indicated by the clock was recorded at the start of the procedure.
10:18:42
